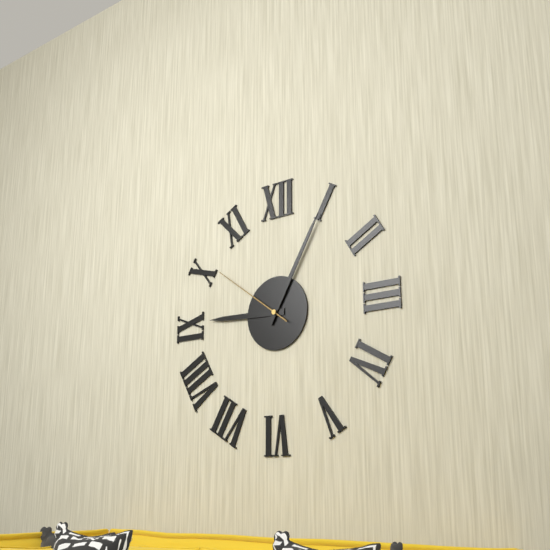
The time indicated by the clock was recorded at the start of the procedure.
9:05:51
